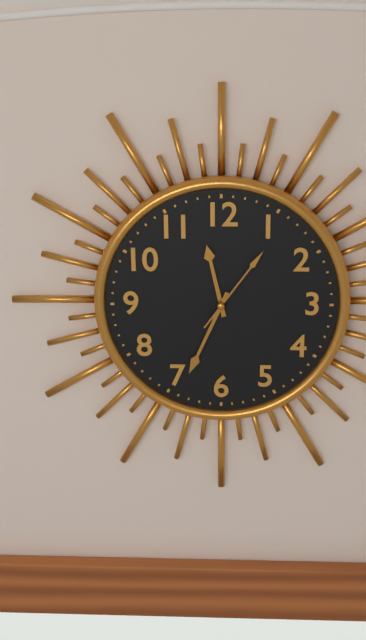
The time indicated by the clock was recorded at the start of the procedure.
11:34:06
